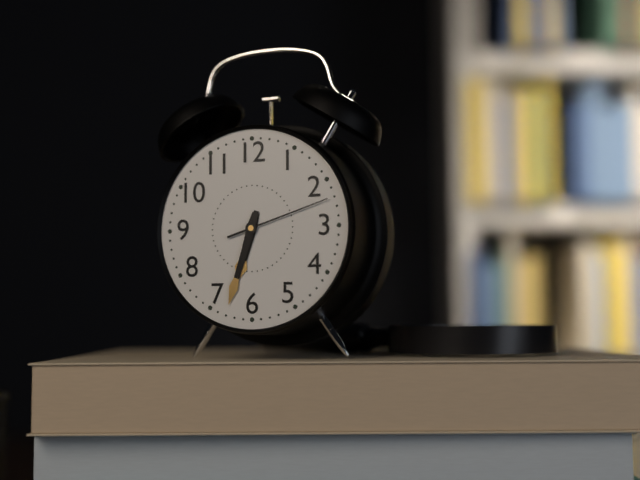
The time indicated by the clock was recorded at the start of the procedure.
6:33:12
